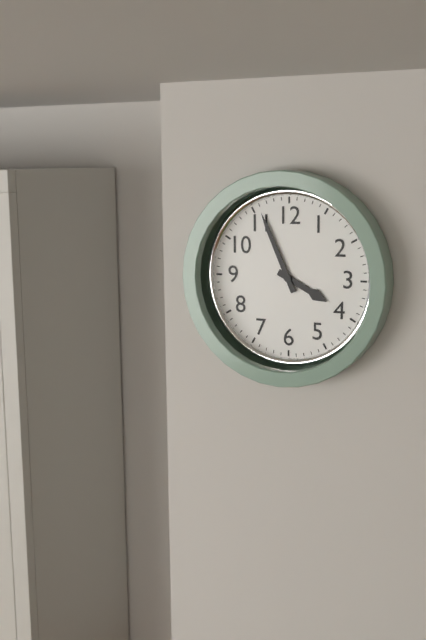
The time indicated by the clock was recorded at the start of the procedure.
3:56
